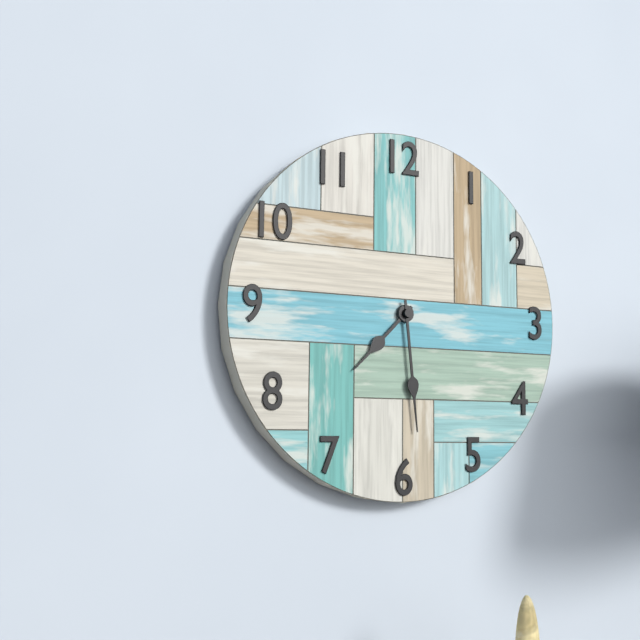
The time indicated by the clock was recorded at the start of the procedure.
7:29
